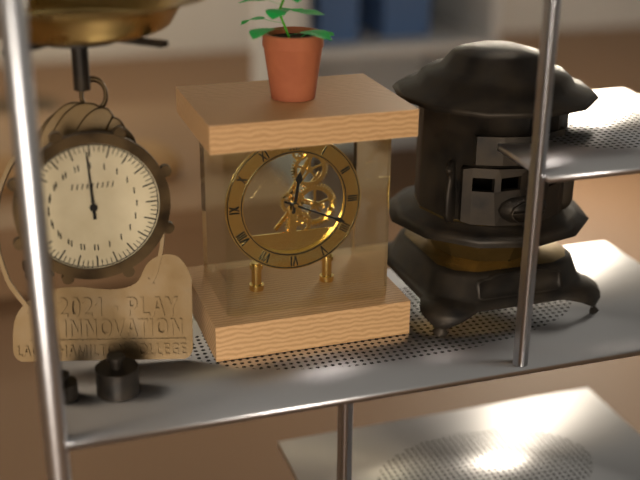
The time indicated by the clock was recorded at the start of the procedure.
12:19
